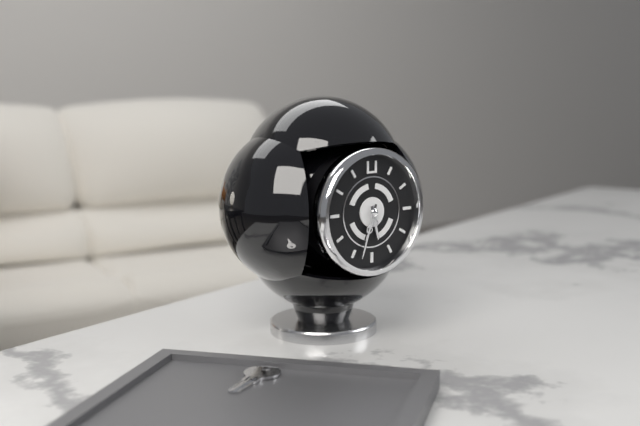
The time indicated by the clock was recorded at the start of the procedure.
5:33
